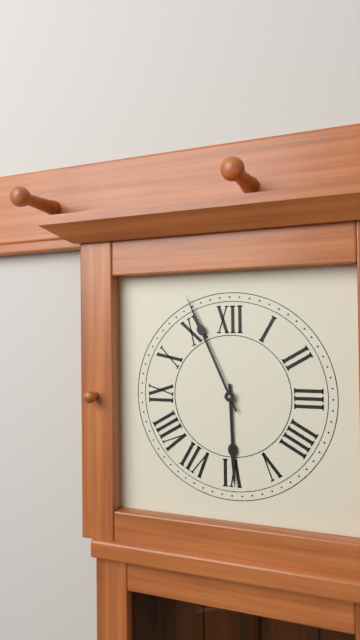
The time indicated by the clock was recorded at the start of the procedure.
5:56
